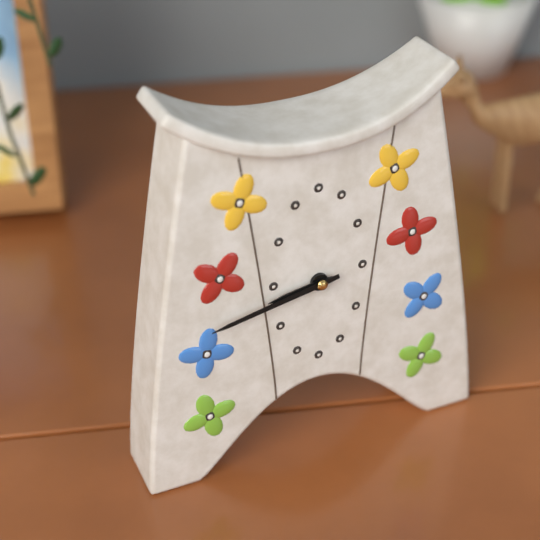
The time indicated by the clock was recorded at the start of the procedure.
8:43
